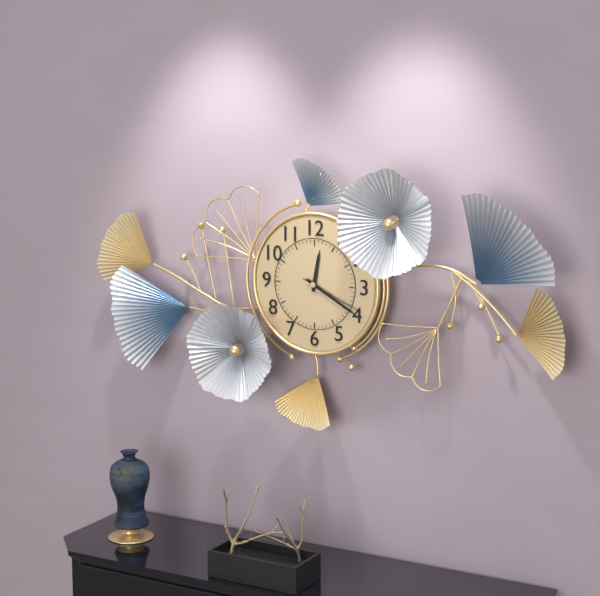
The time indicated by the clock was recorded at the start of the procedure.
12:20:19
